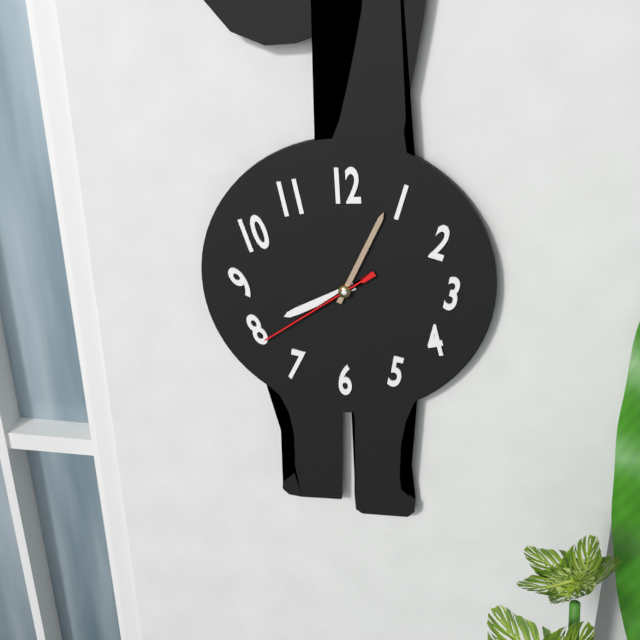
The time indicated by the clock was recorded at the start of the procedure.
8:04:39
